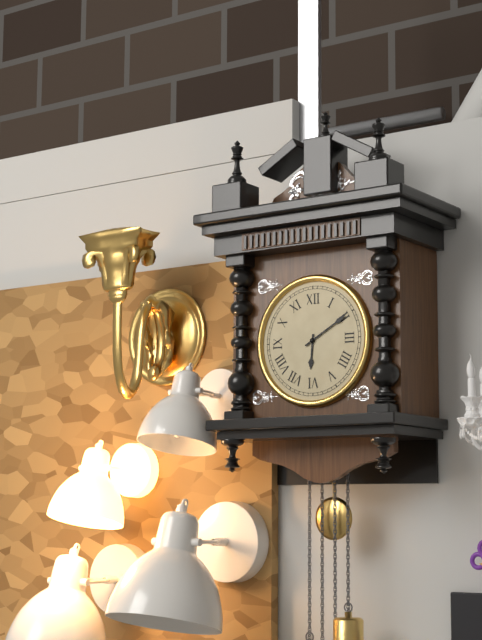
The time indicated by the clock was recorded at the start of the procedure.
6:10
